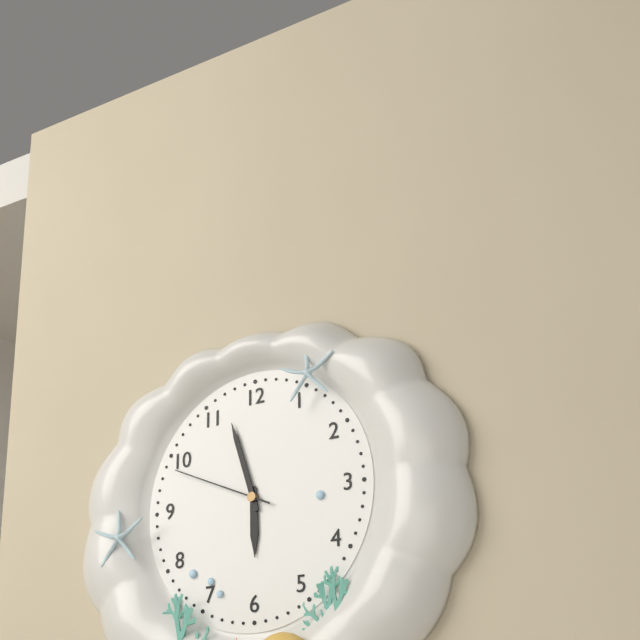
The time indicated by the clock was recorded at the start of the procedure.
5:57:49
